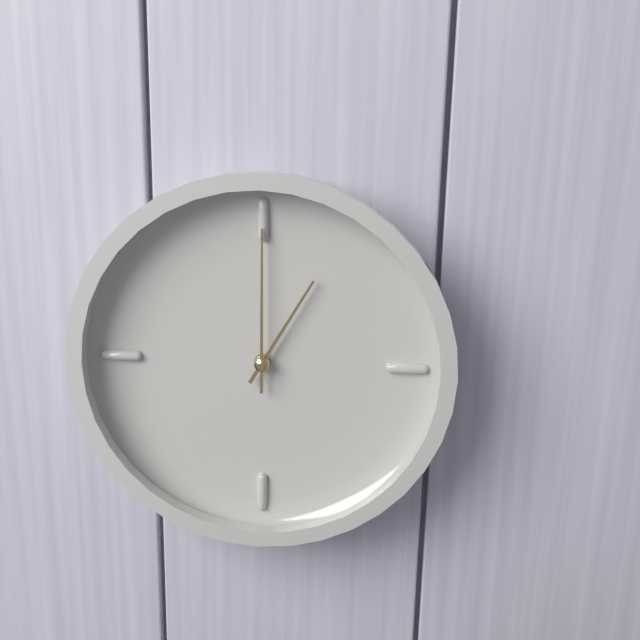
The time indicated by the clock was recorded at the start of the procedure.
1:00
